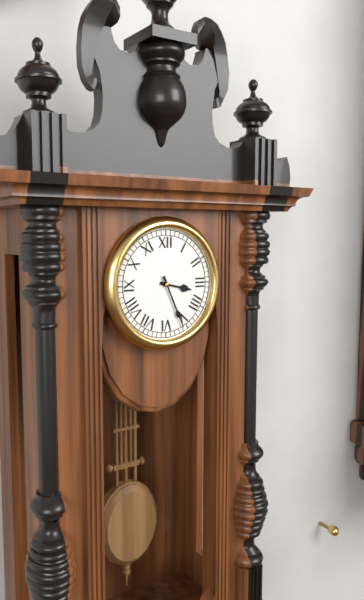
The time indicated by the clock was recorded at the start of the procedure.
3:26
